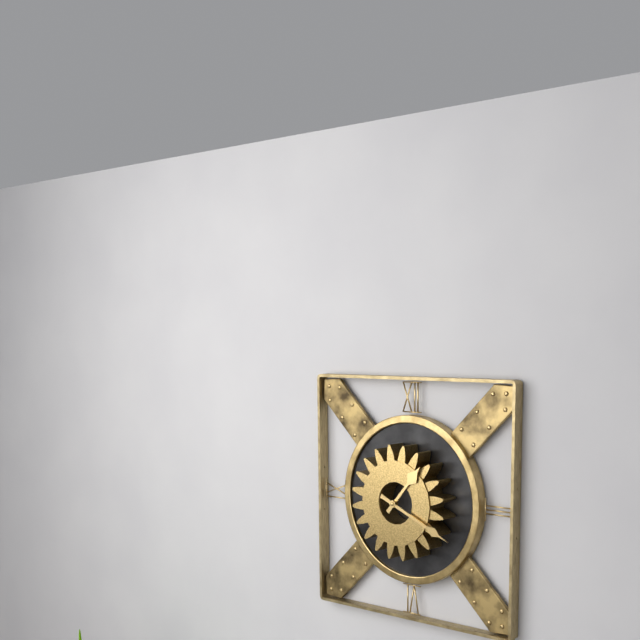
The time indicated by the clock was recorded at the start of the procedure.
1:19
